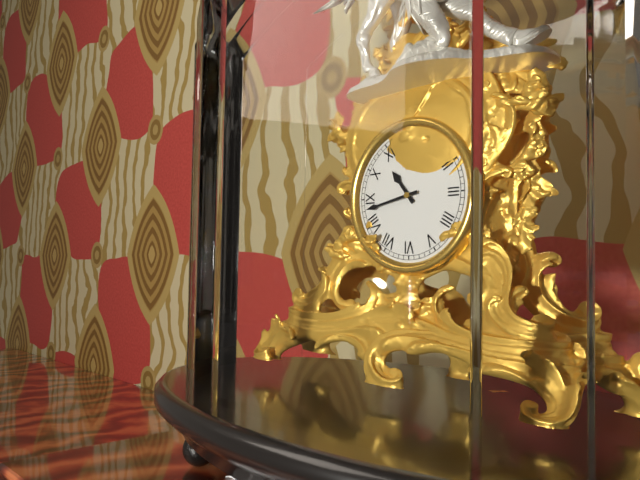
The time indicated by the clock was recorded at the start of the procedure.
10:43
